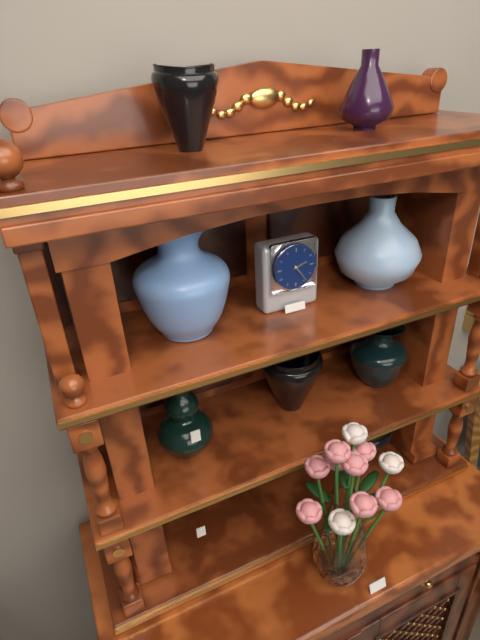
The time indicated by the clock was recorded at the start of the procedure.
2:24
